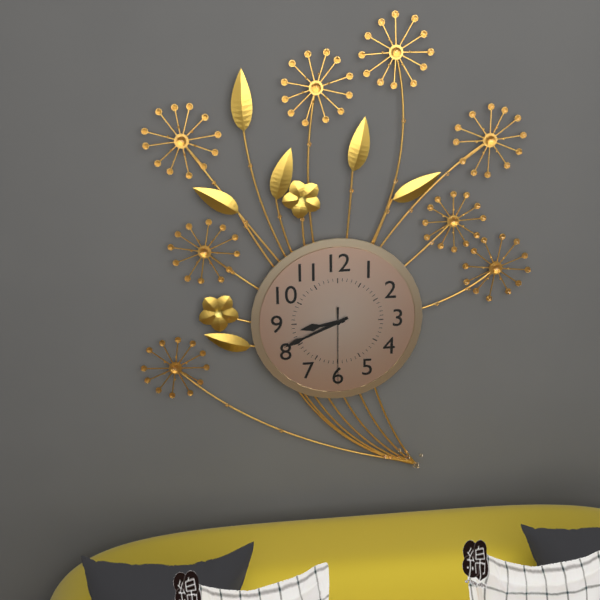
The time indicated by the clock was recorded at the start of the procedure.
8:41:30
